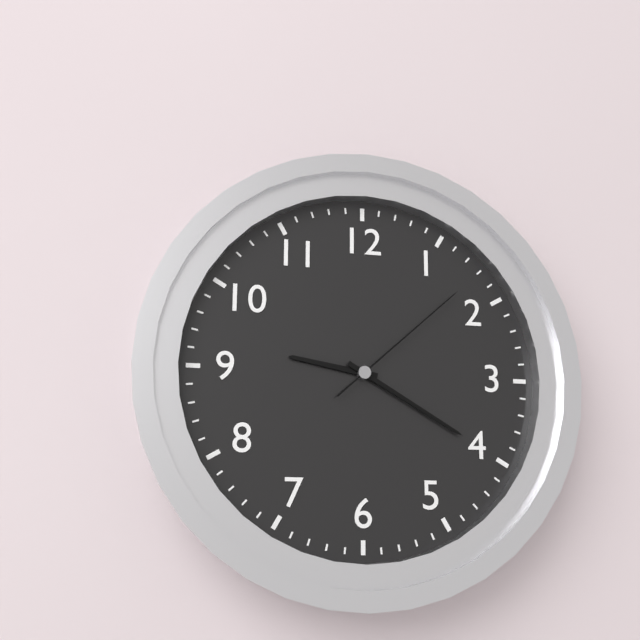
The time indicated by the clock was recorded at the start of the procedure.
9:20:08
